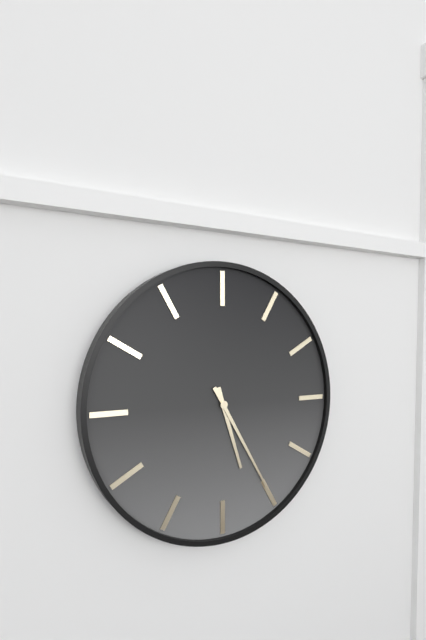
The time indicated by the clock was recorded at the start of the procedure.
5:25
